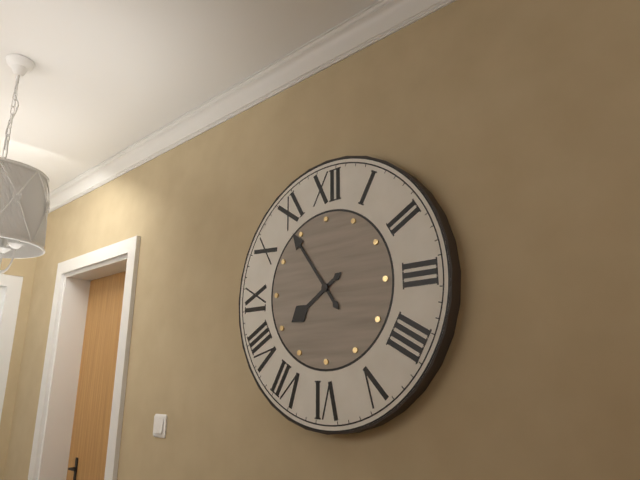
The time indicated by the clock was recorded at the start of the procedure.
7:54
